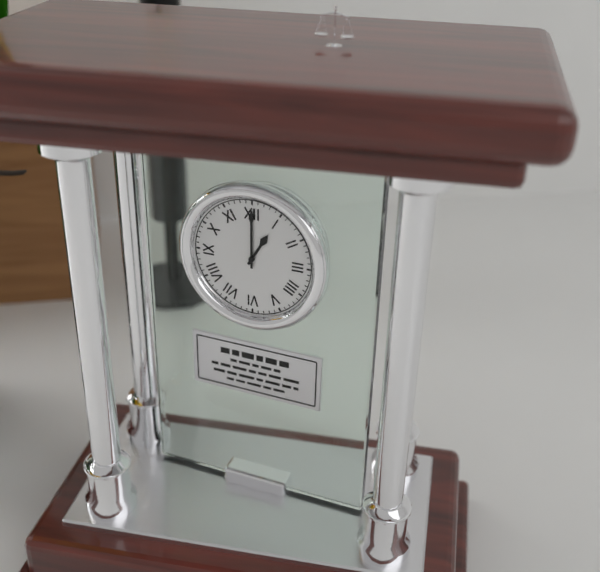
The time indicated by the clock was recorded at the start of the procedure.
1:00
